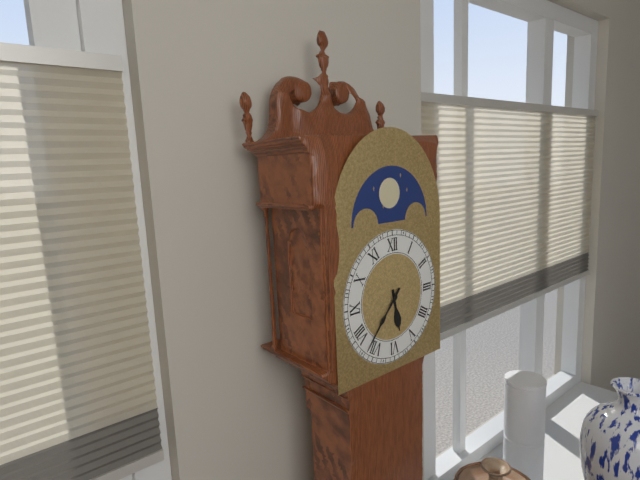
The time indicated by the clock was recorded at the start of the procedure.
5:37
